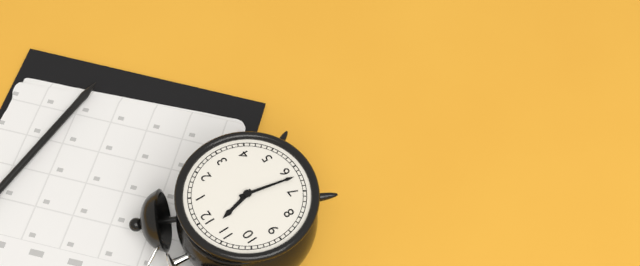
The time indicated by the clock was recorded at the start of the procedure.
11:32
